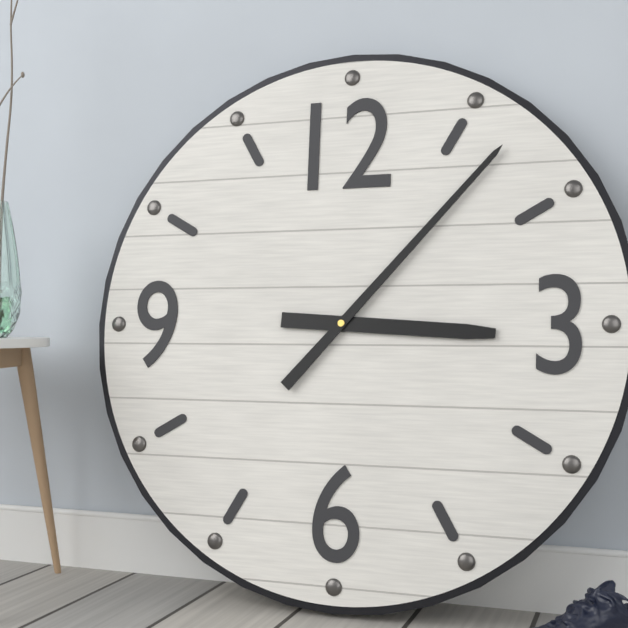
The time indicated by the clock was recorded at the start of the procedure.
3:07
